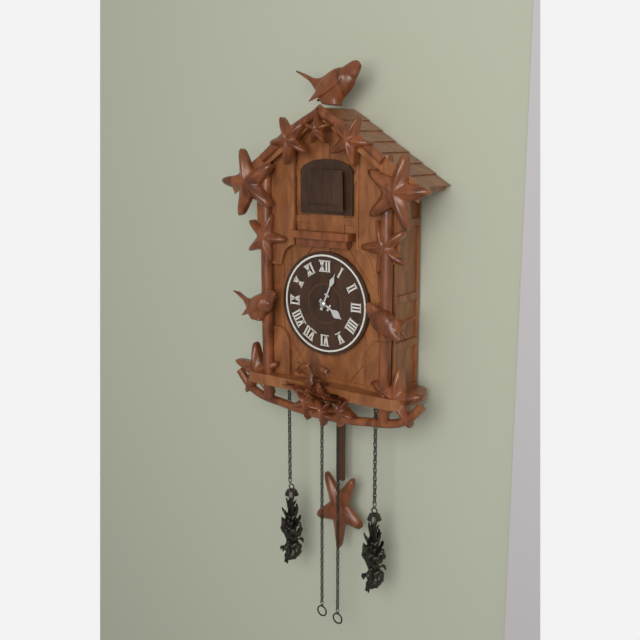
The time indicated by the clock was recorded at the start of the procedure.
4:04
